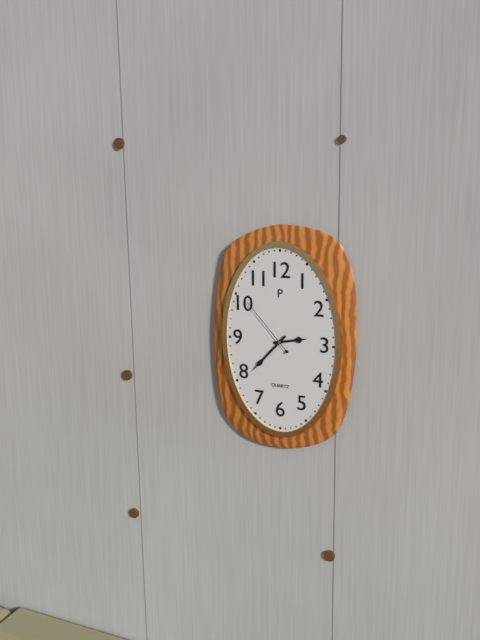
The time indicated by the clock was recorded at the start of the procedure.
2:37:53
